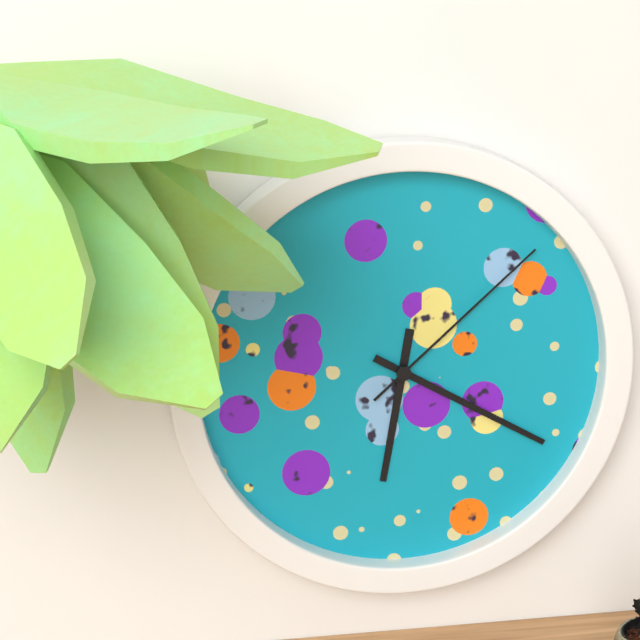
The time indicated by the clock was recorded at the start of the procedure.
6:20:08
